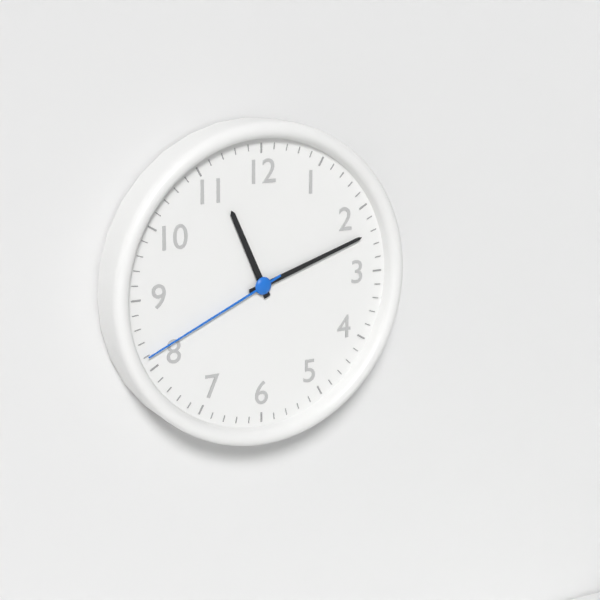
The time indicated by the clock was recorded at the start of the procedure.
11:12:41
